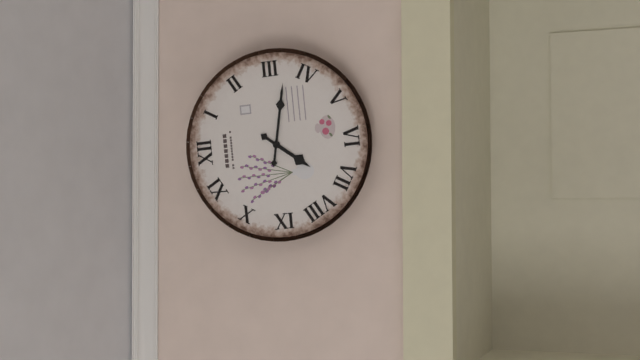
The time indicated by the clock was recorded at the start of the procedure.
7:17
